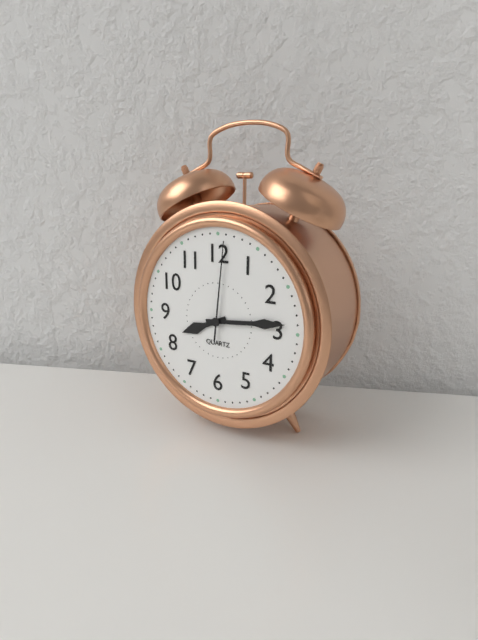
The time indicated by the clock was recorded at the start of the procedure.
8:14:01
